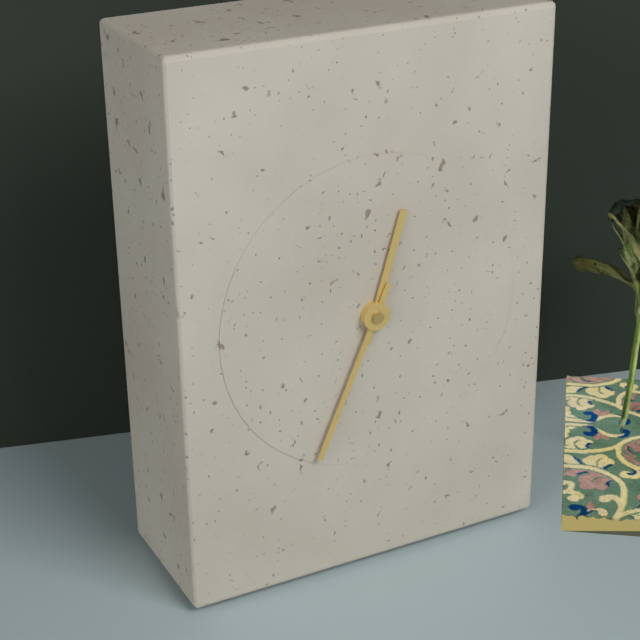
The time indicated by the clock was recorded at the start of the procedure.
12:34
